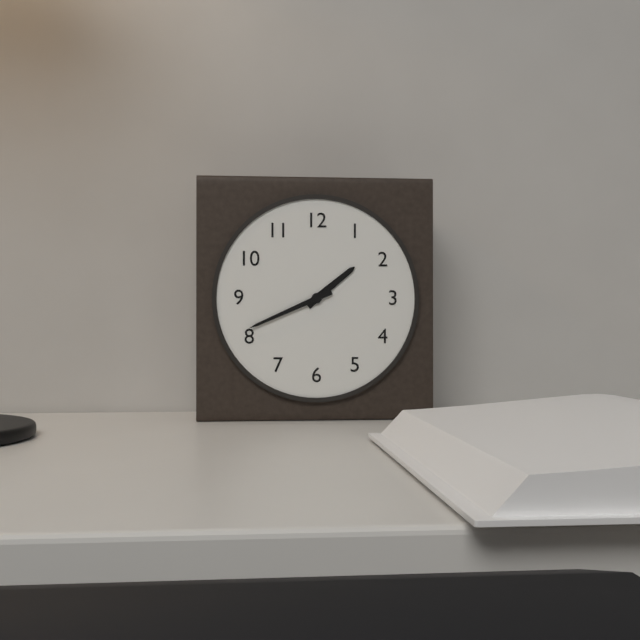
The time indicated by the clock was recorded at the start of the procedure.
1:41
